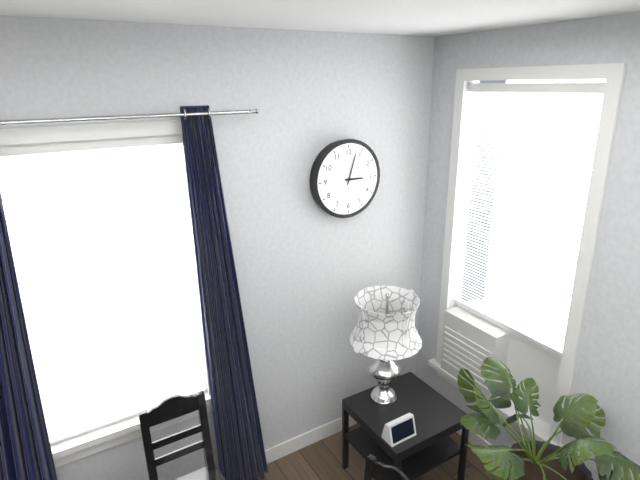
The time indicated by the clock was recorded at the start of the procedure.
3:03
